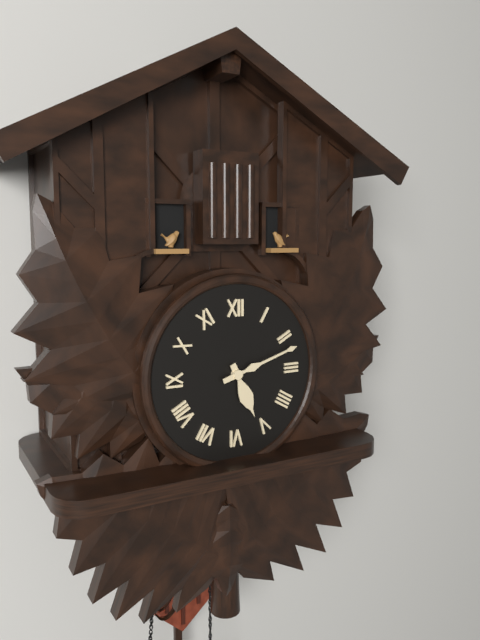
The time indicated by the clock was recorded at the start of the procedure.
5:12
